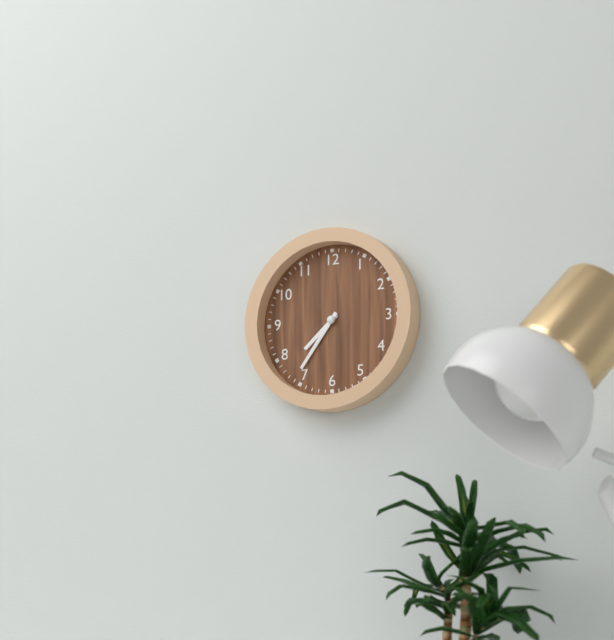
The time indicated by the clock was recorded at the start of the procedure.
7:36
